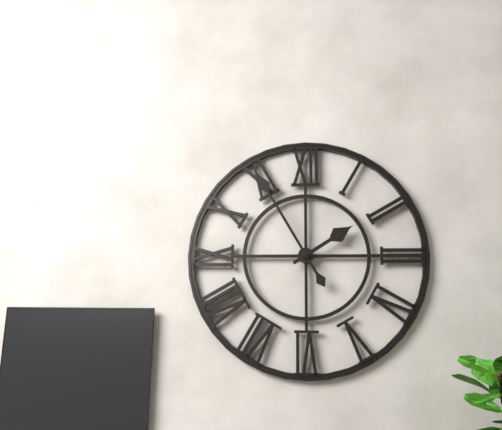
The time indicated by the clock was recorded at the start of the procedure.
1:55
